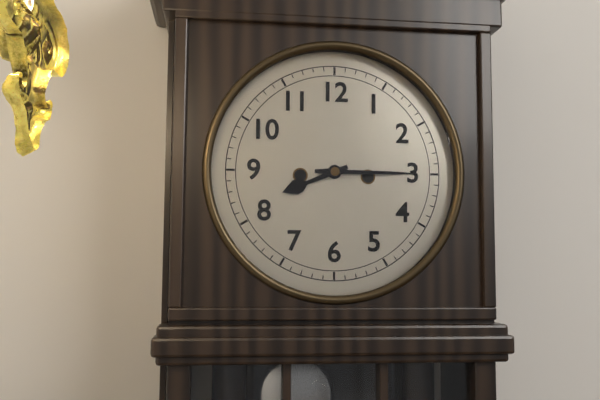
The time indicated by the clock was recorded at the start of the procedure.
8:15
